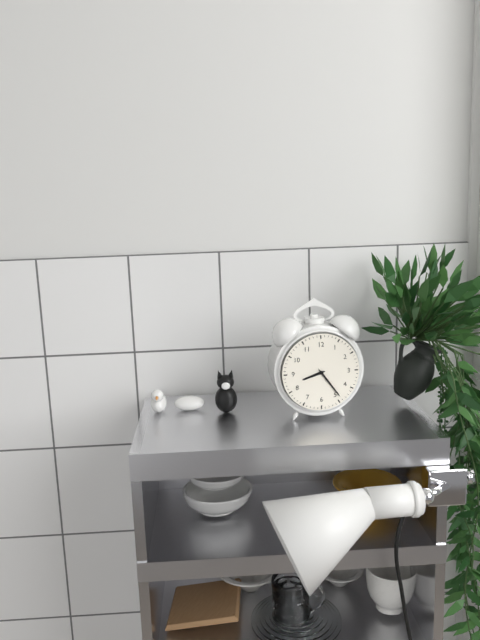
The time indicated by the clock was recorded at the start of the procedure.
8:24
